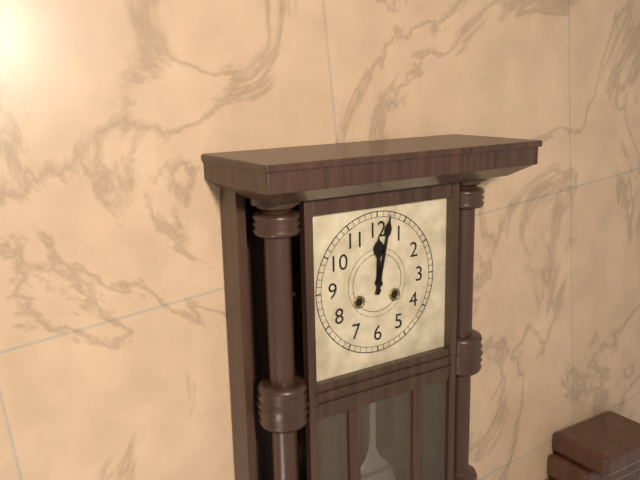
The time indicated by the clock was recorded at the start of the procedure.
12:02
